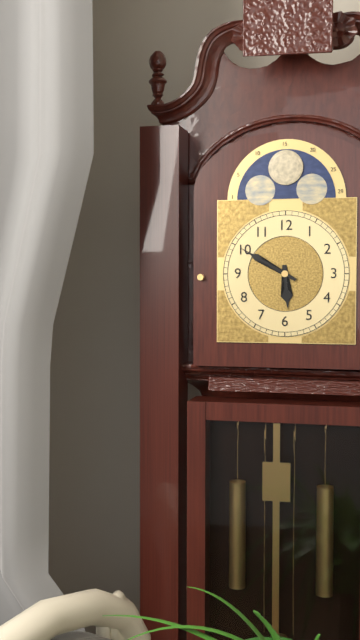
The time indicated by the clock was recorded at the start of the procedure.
5:50
